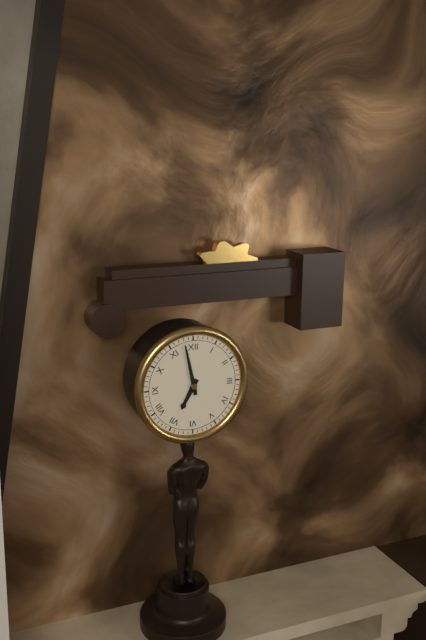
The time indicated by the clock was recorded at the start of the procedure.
6:58
